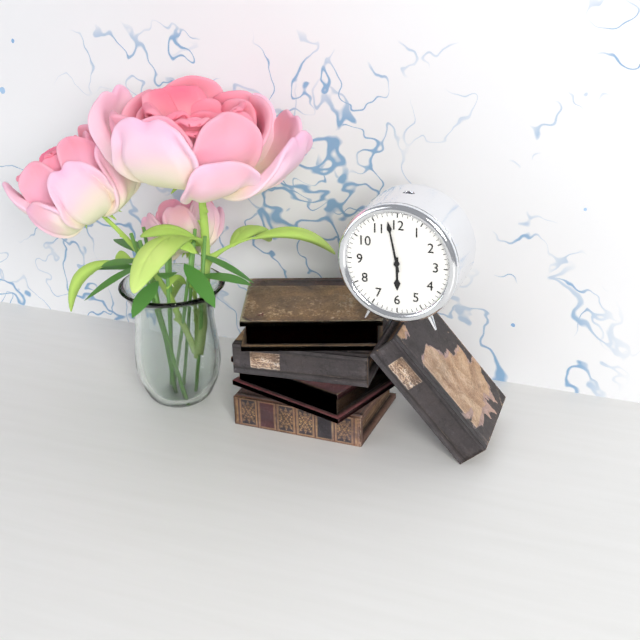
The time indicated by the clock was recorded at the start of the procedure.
5:58
